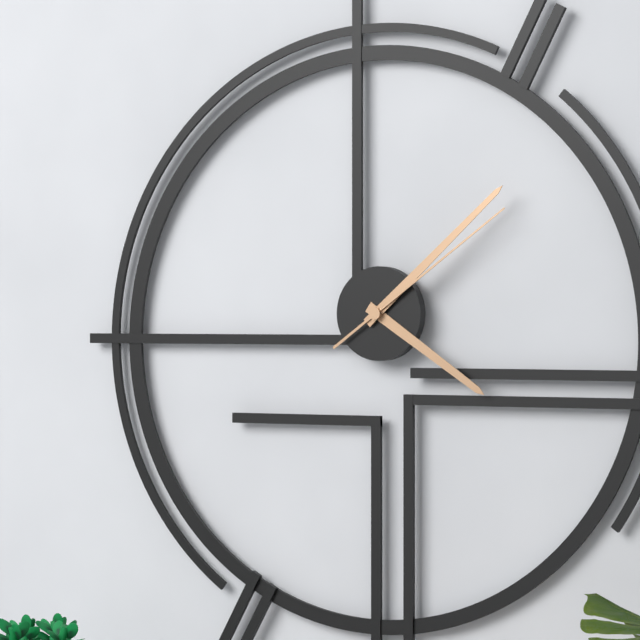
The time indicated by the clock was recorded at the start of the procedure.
4:08:09
